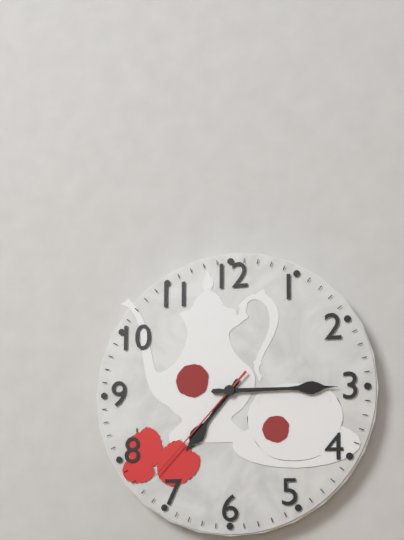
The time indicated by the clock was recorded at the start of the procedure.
7:15:37
